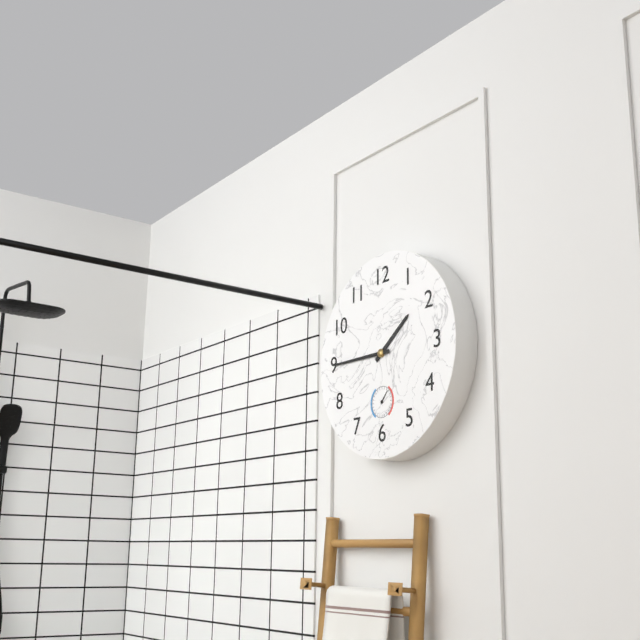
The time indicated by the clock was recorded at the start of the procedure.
1:45
